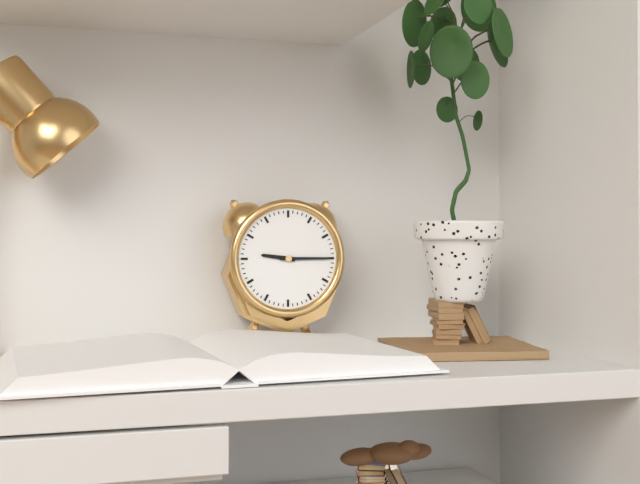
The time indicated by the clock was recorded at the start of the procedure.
9:15
